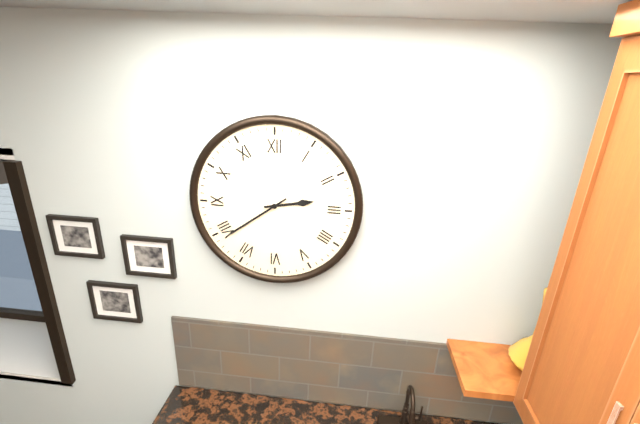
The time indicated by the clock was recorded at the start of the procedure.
2:39
